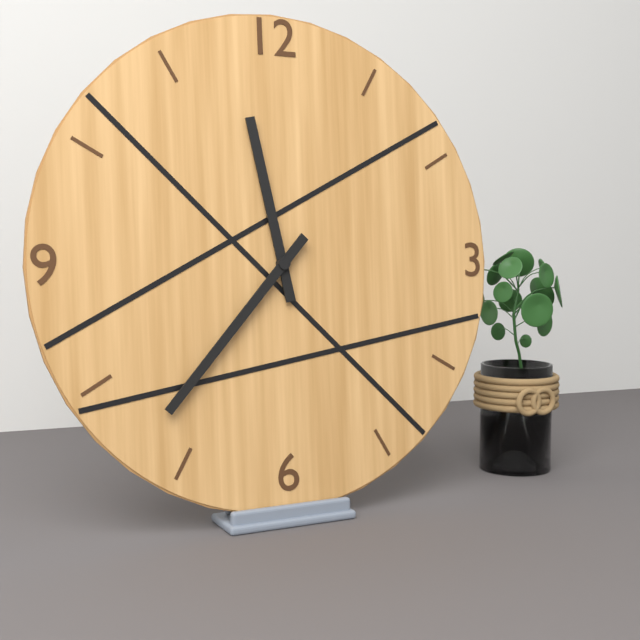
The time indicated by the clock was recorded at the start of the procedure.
11:37
